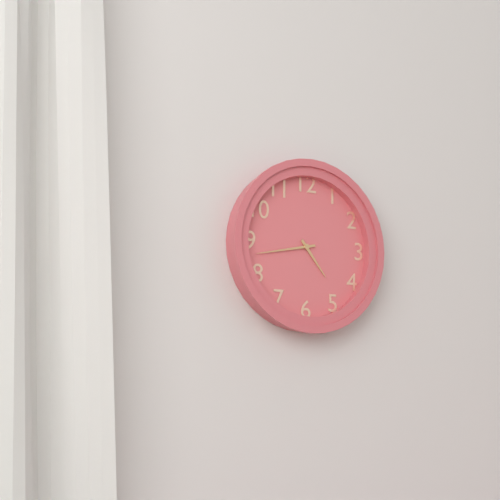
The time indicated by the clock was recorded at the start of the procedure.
4:43
